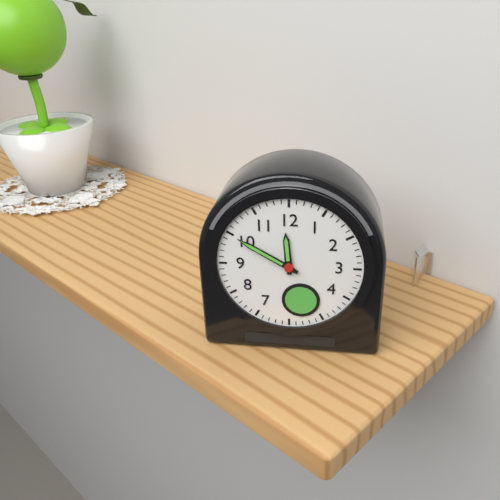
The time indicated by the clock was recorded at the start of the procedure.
11:50
